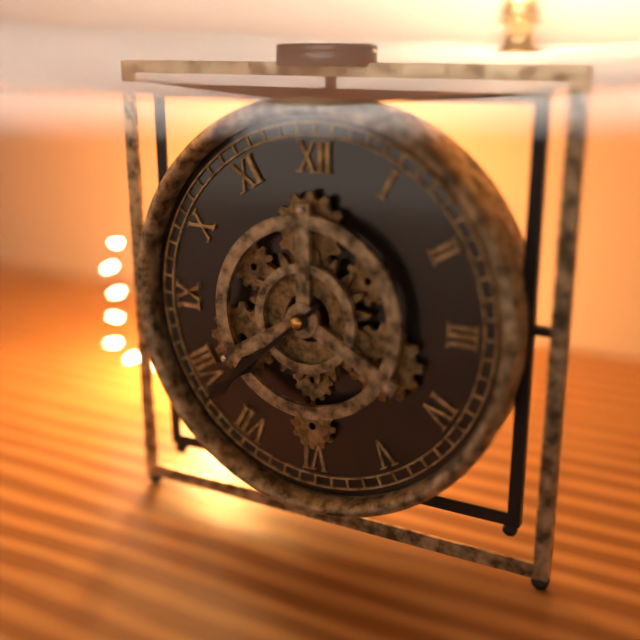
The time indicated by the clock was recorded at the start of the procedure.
7:38
